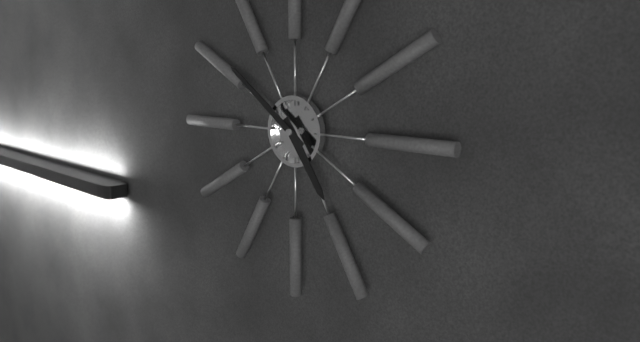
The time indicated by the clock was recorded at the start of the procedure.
4:51
